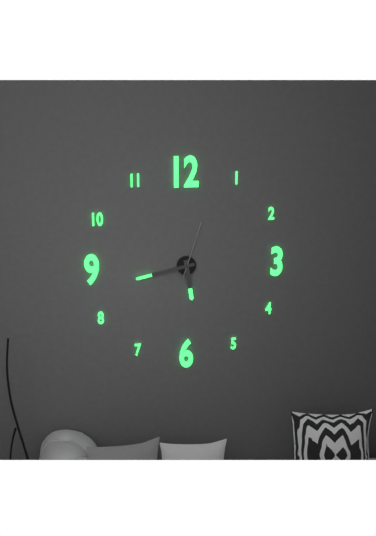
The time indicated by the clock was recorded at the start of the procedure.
5:43:03
